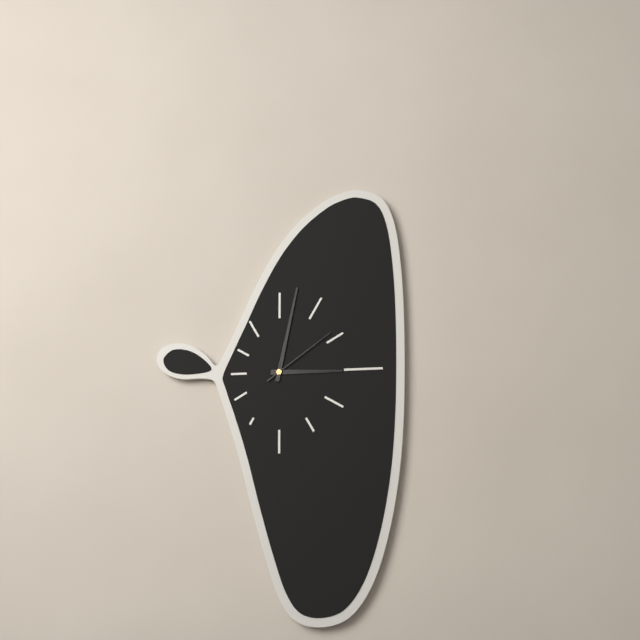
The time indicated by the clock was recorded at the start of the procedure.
3:02:09
